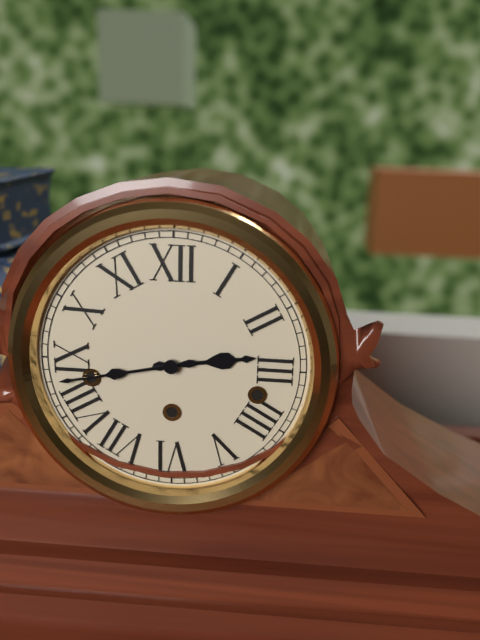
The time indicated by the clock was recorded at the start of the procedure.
2:43
